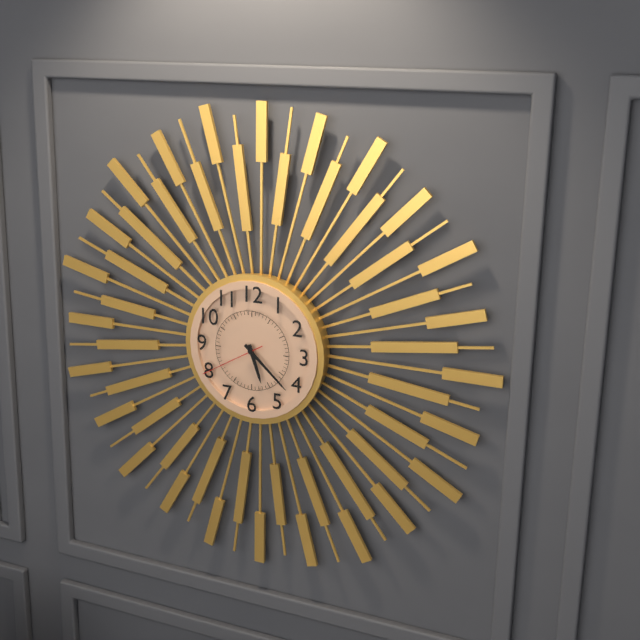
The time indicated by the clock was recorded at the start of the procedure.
5:22:40
